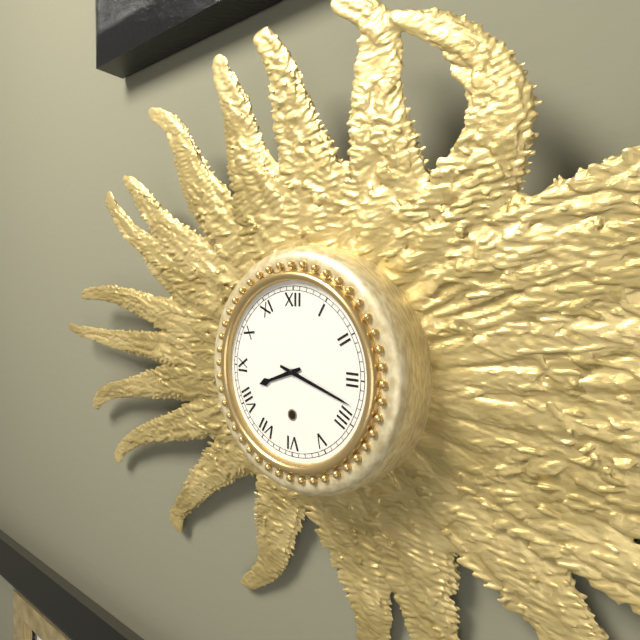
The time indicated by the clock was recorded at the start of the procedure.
8:18
